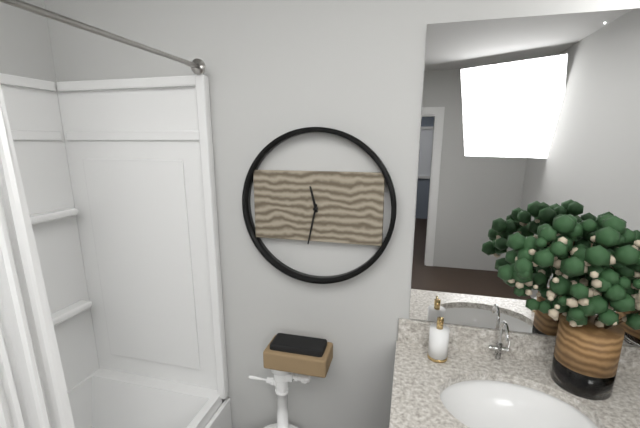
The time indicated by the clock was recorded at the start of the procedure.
11:32
